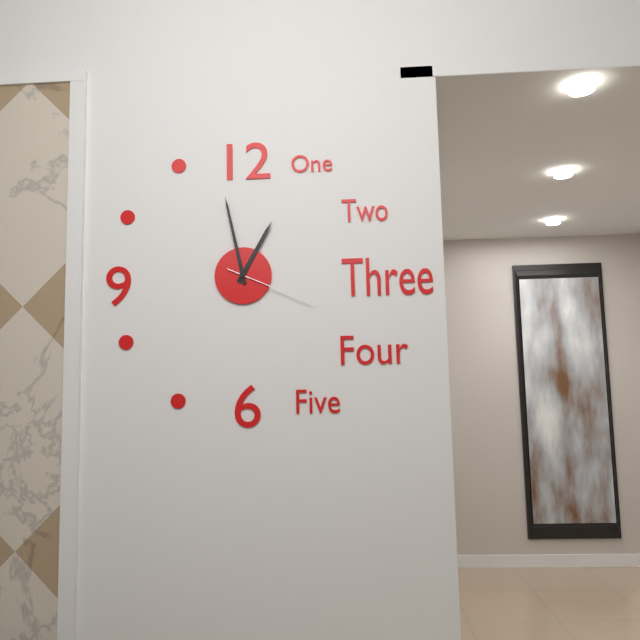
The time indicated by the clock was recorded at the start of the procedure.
12:58:19
